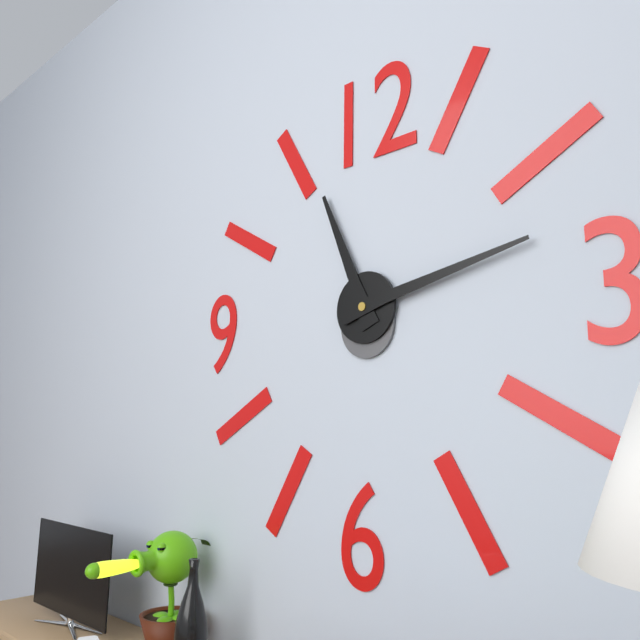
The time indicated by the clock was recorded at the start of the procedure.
11:13
